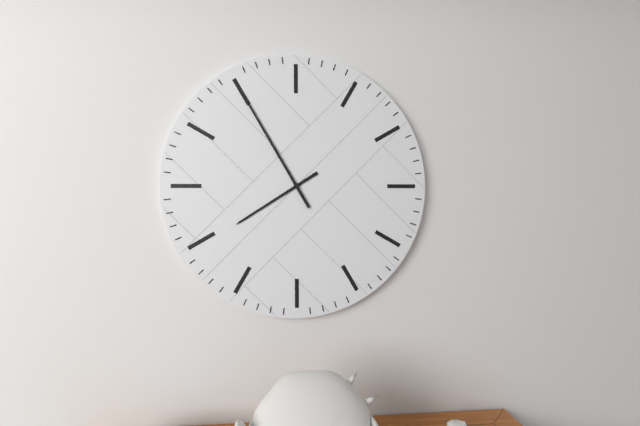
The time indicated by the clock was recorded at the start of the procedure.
7:55
